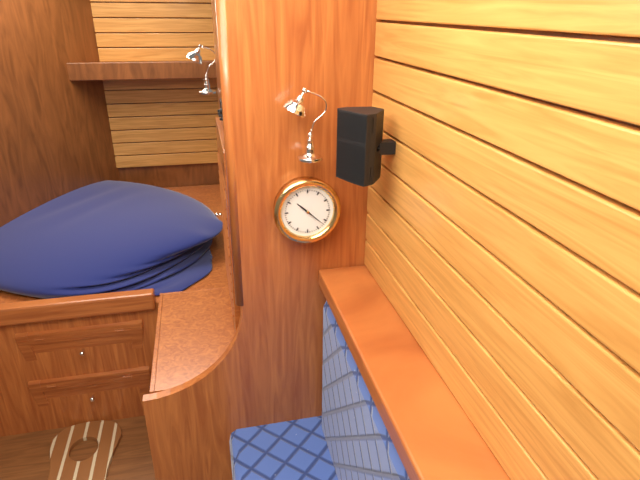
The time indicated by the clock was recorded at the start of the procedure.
10:22
